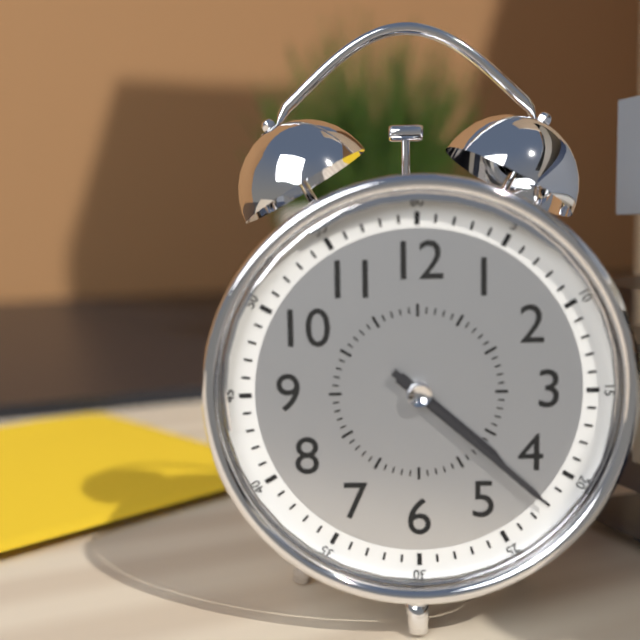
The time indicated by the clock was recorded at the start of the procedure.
4:22
